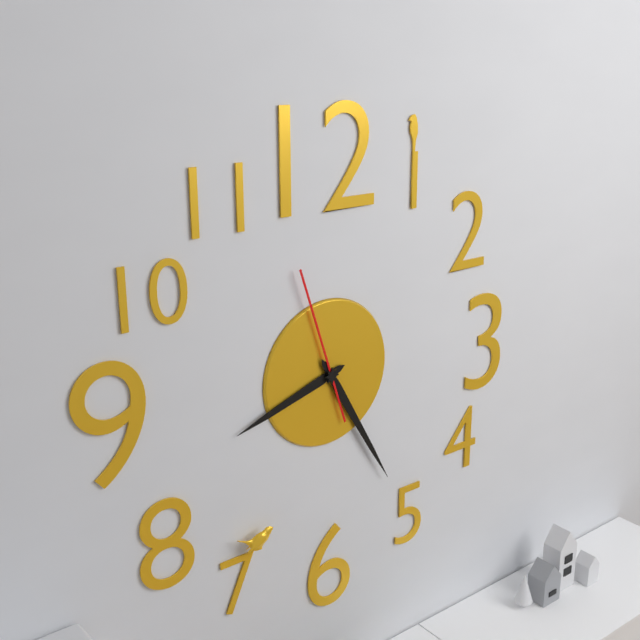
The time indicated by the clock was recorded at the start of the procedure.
8:25:57
